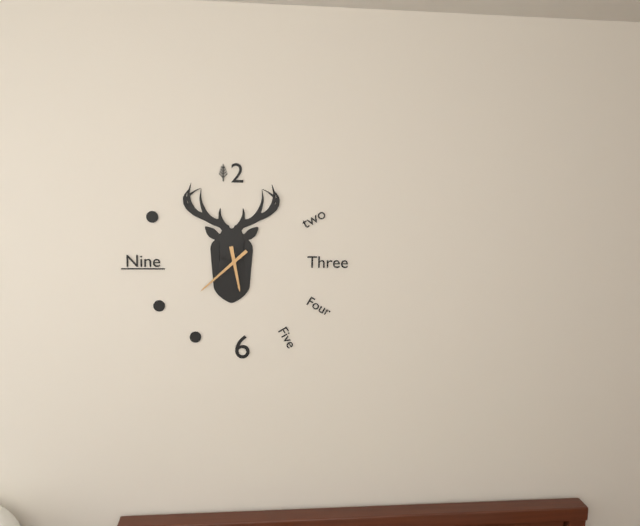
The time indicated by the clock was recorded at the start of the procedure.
5:38
